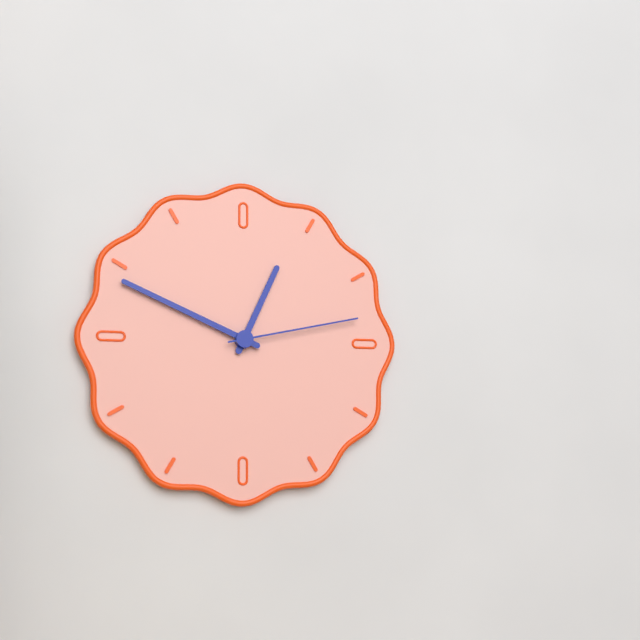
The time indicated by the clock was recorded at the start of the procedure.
12:49:13
